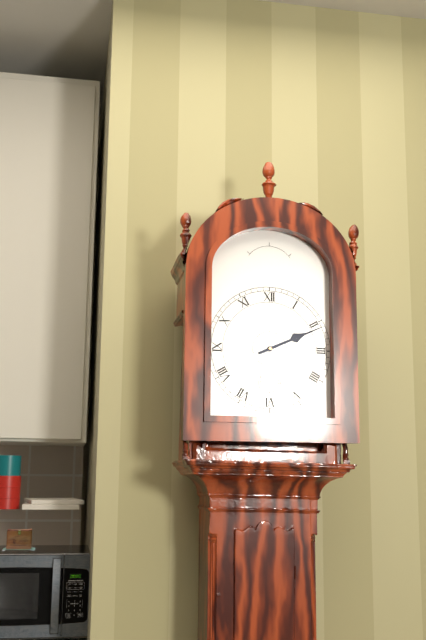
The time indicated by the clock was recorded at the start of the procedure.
2:11
